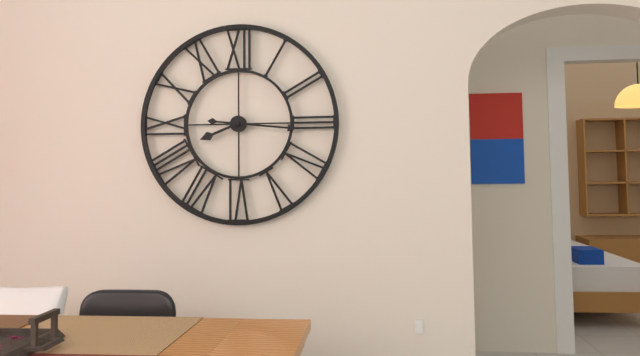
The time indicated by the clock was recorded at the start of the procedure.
8:16
